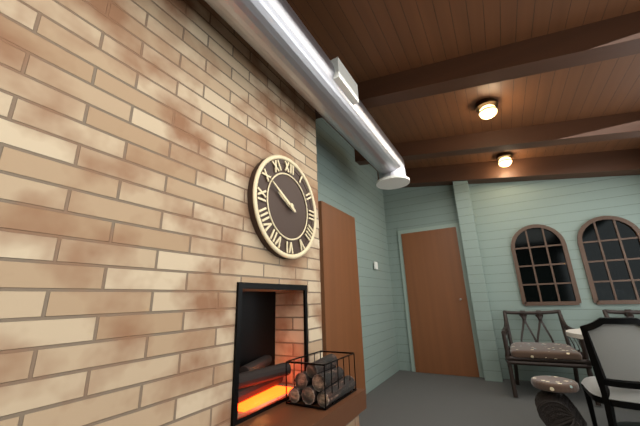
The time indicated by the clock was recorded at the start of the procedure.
9:50
